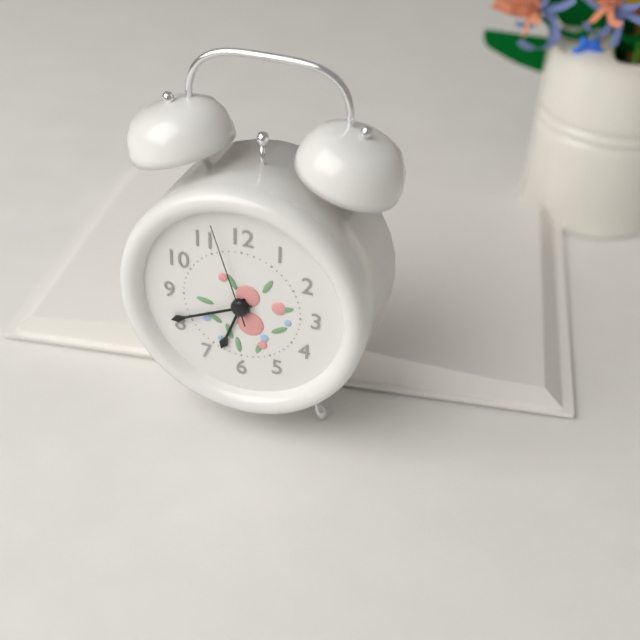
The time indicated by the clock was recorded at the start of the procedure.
6:41:57
